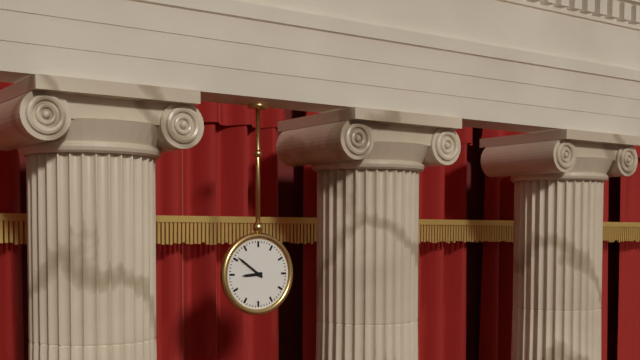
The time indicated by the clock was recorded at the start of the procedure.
8:51
